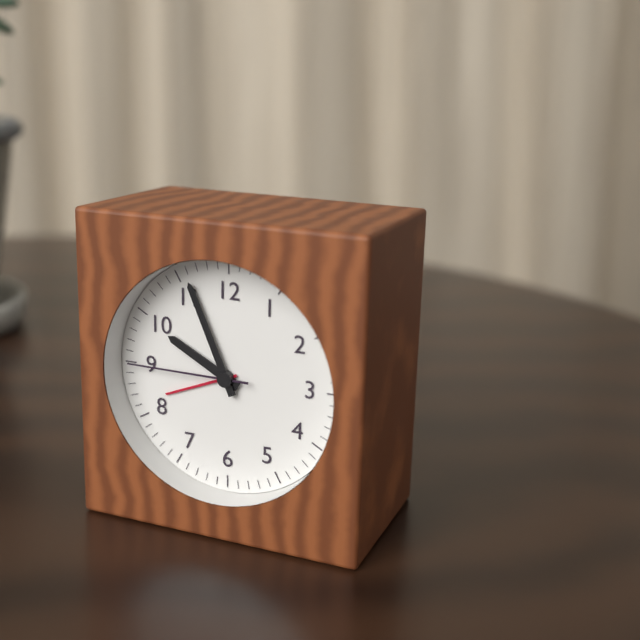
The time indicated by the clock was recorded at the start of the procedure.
9:56:45
